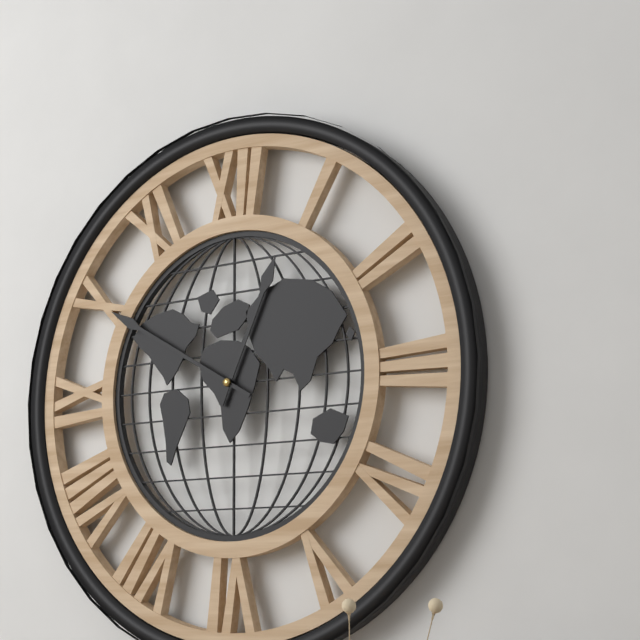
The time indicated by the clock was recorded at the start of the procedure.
12:50
